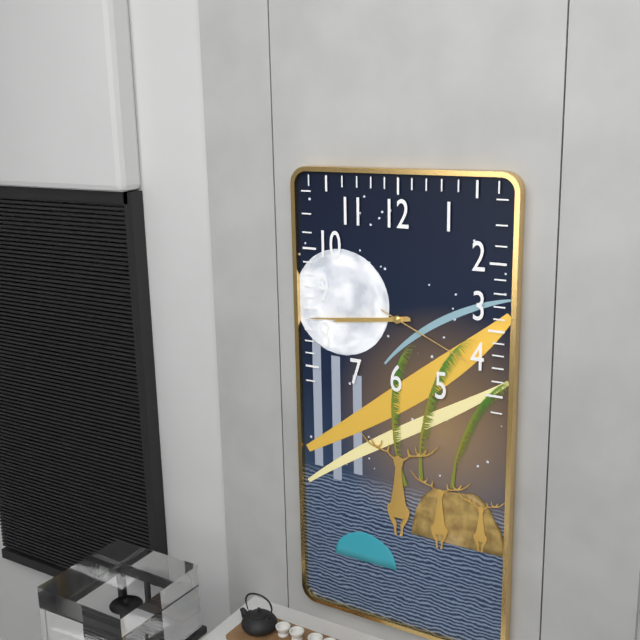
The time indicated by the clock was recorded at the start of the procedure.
8:44:19
